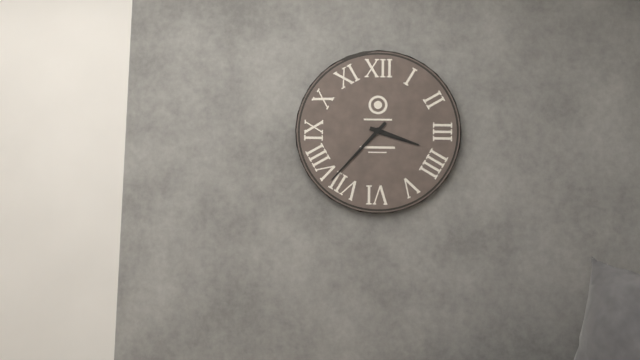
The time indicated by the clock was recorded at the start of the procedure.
3:37
